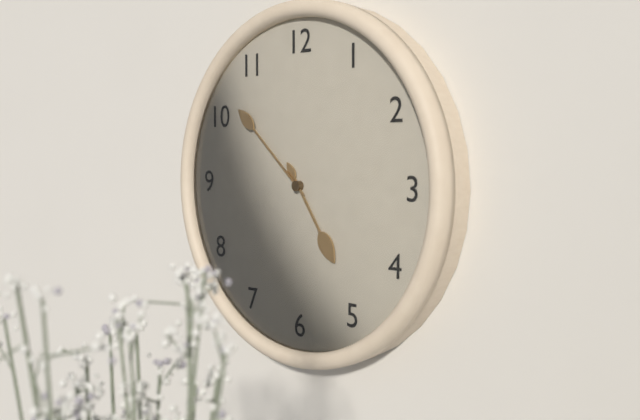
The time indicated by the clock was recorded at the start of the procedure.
4:52
